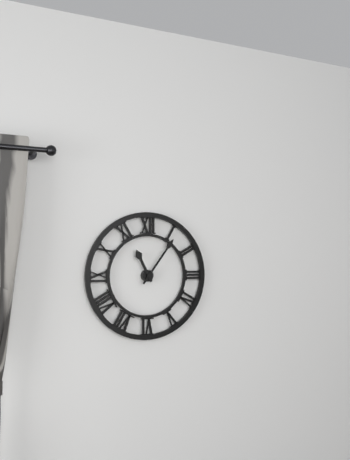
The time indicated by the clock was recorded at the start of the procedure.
11:06
